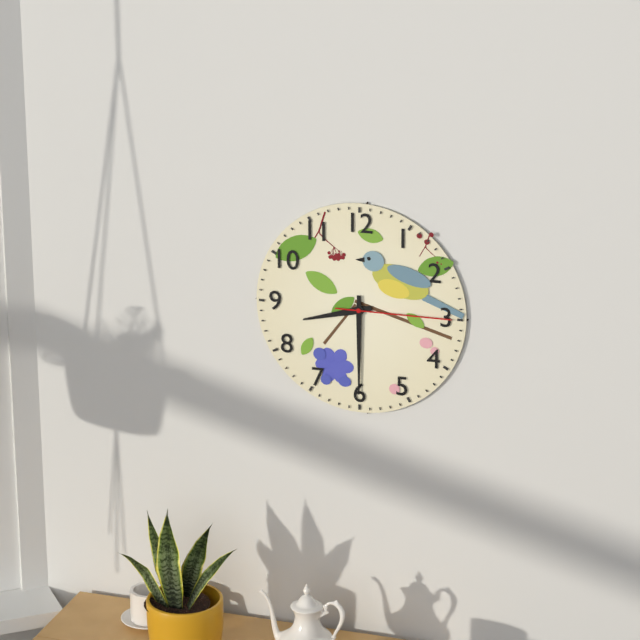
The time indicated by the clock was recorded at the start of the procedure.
8:30:15
